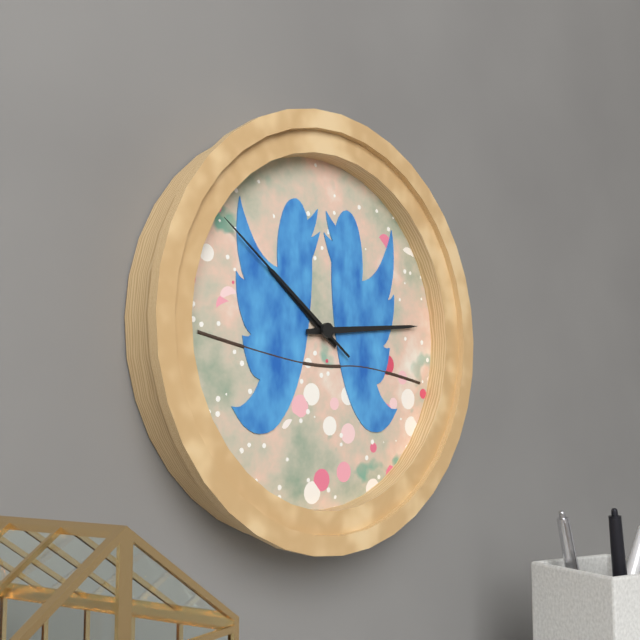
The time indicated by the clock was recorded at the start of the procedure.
10:14:51
